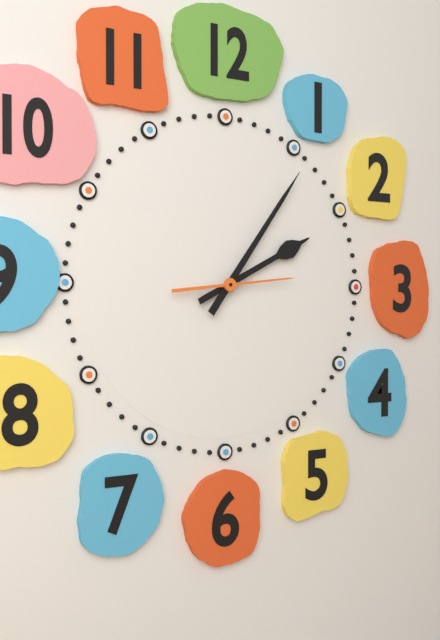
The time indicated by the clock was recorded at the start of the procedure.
2:06:14
